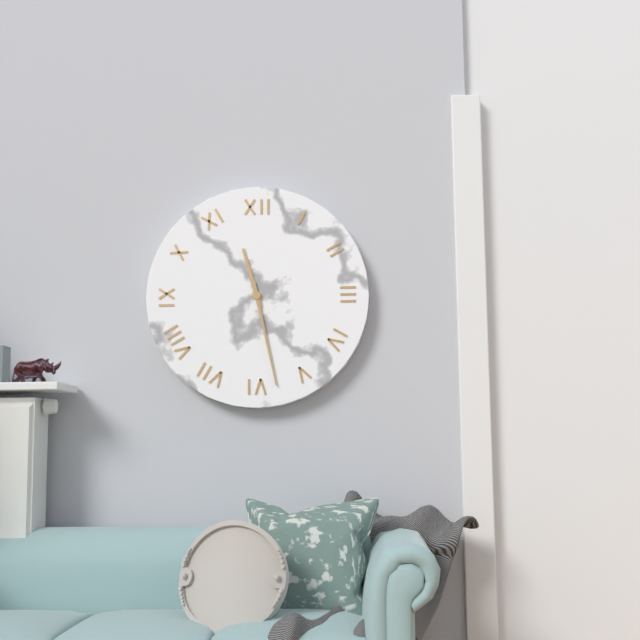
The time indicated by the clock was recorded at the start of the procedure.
11:28
